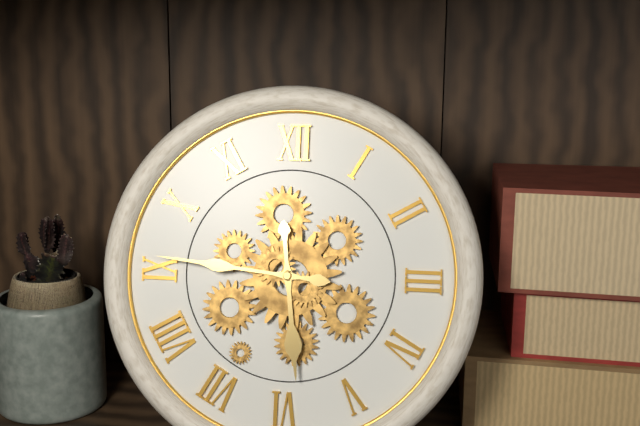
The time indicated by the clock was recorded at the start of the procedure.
5:46
